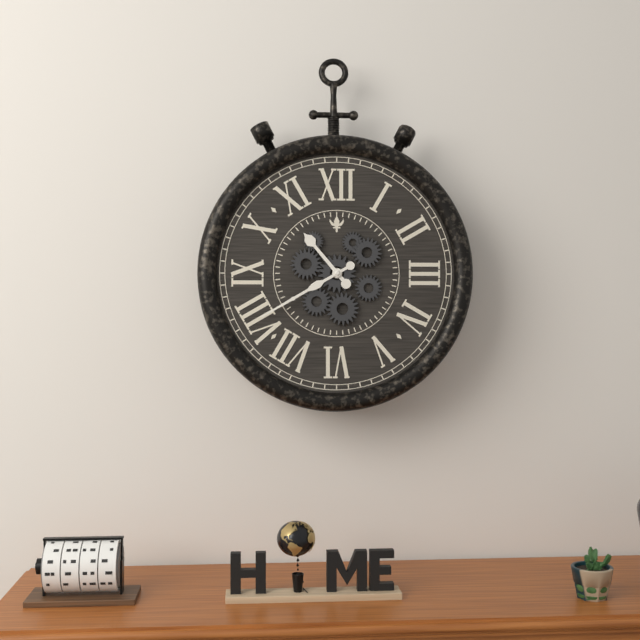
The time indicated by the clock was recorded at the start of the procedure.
10:40
